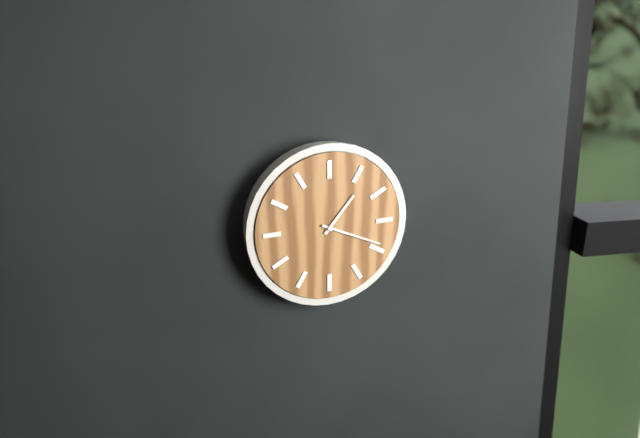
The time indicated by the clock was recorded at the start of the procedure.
1:19
